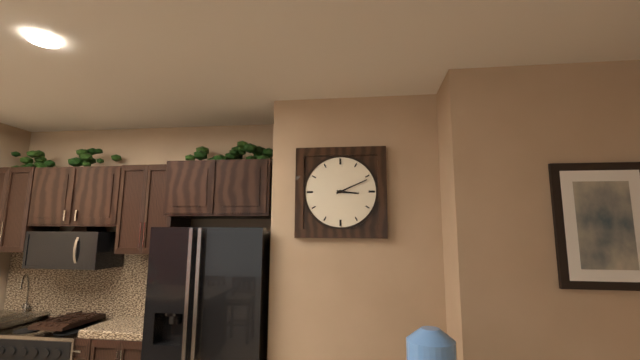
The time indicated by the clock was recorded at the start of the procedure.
3:11
